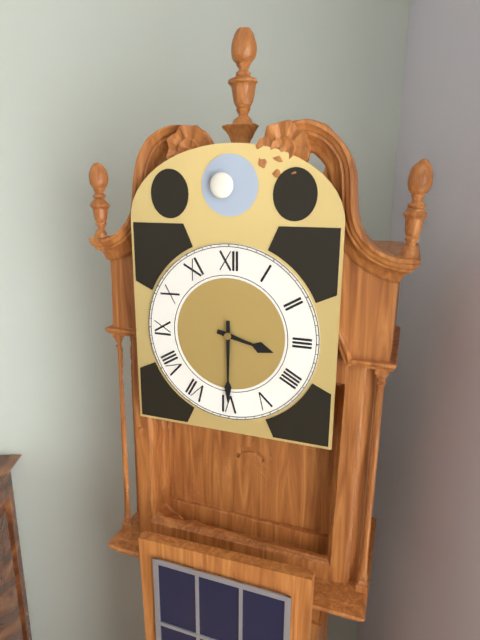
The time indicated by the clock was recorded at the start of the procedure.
3:30
